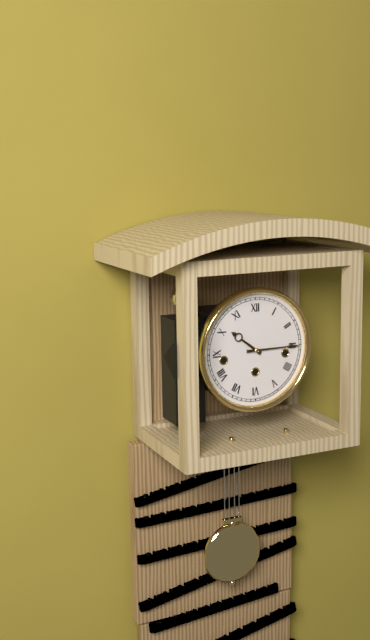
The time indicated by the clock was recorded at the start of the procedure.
10:15
